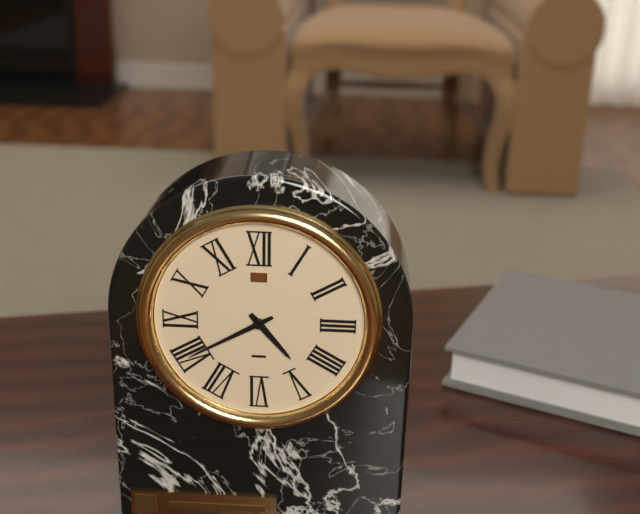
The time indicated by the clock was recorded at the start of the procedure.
4:40
